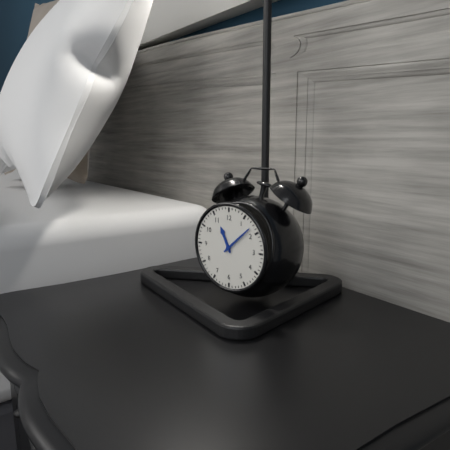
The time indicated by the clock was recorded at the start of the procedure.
11:08
